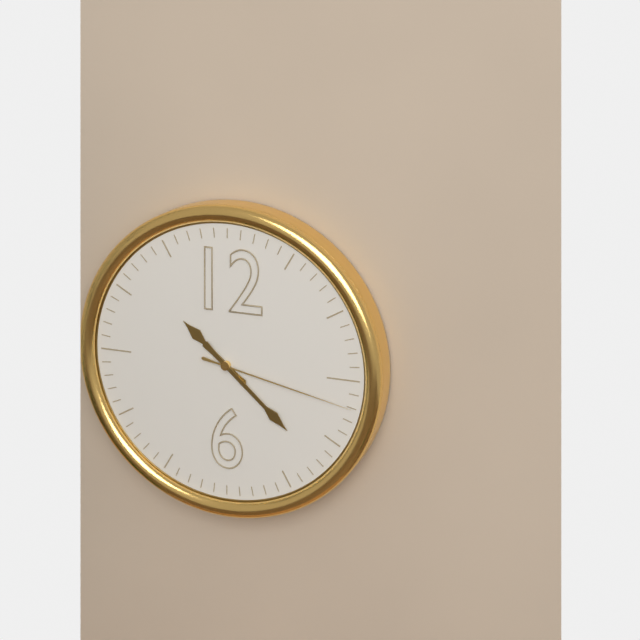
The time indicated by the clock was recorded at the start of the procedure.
10:22:17
